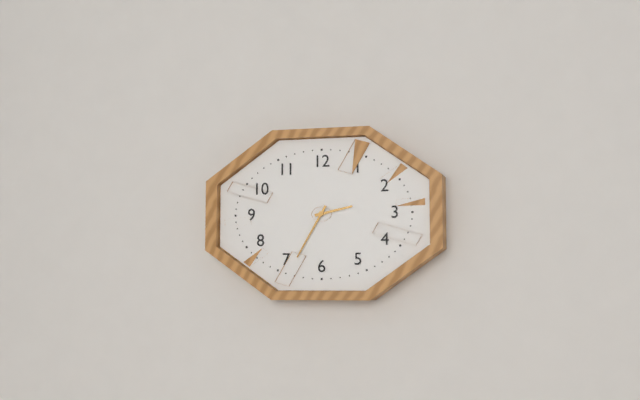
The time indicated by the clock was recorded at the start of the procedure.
2:35
